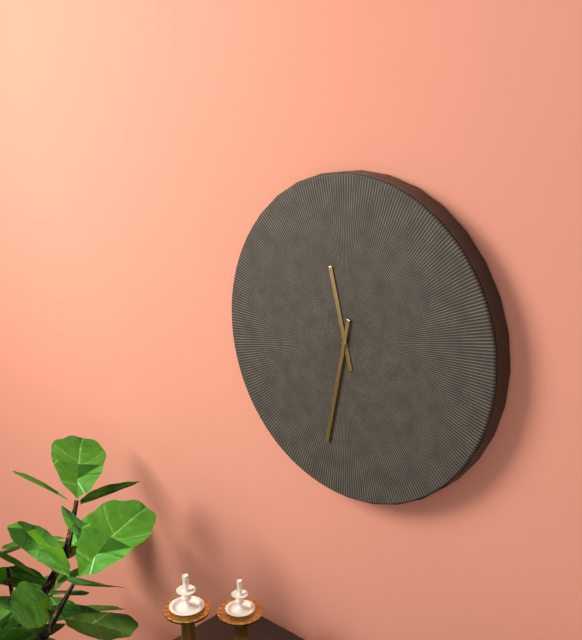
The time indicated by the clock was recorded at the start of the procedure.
11:32
